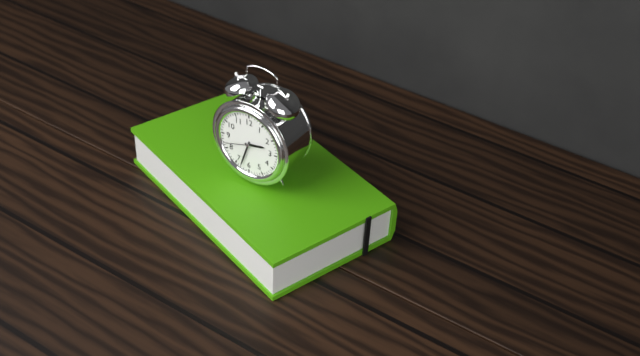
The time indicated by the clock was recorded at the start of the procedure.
2:33
